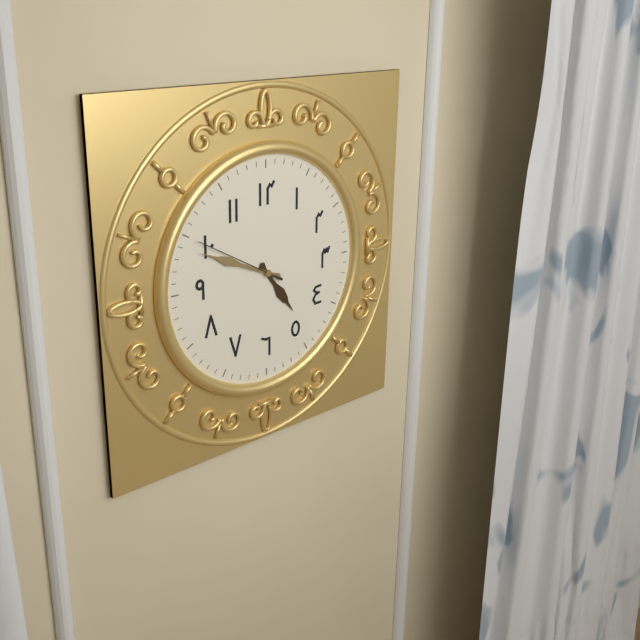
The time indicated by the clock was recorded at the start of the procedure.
4:49:50
